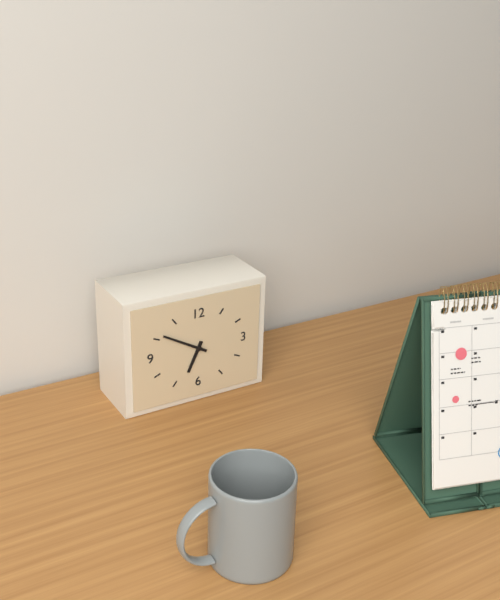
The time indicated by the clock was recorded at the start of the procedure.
6:50
